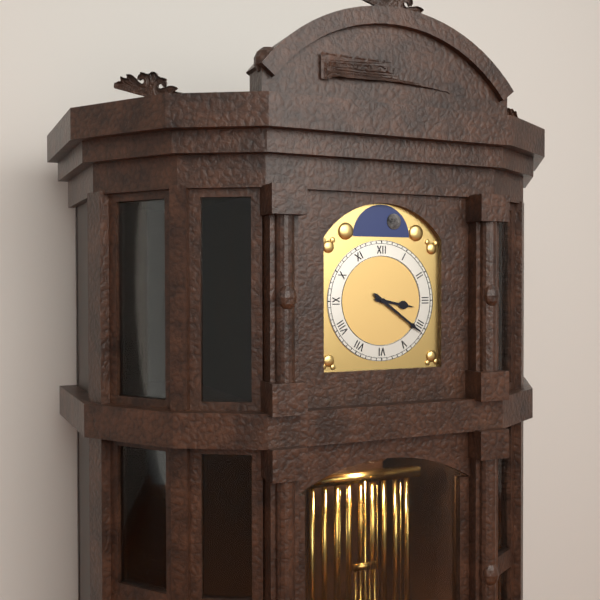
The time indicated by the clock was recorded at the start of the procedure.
3:21
